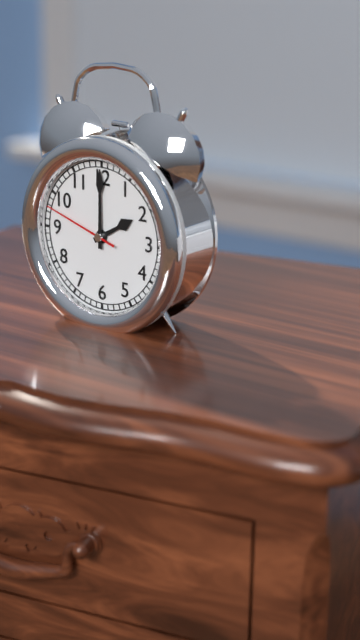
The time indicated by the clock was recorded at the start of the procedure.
2:00:48
